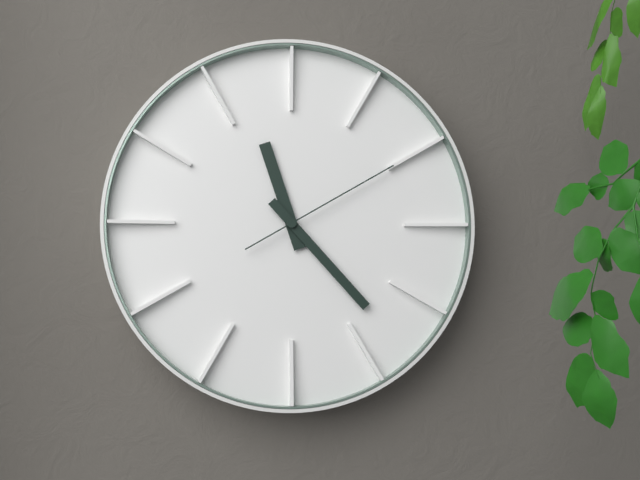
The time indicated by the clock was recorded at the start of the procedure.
11:23:10
